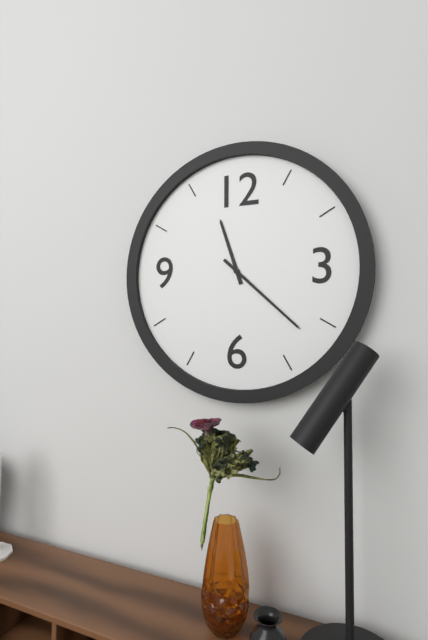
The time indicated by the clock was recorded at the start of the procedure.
11:22
